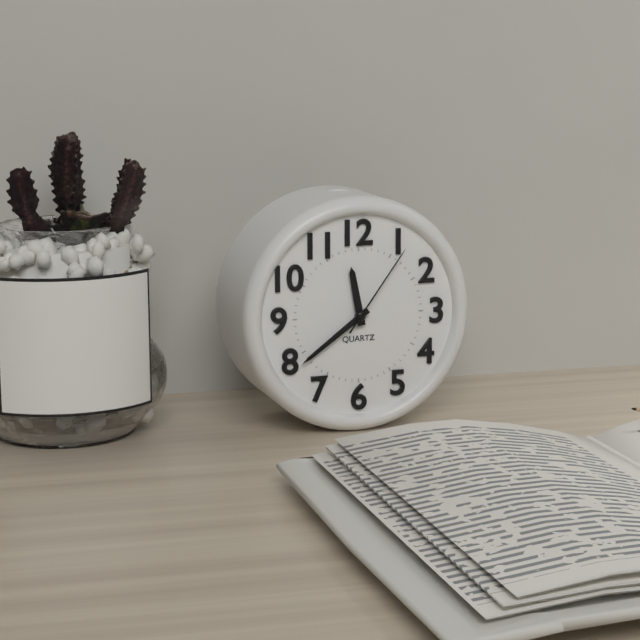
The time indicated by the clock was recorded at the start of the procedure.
11:39:06
